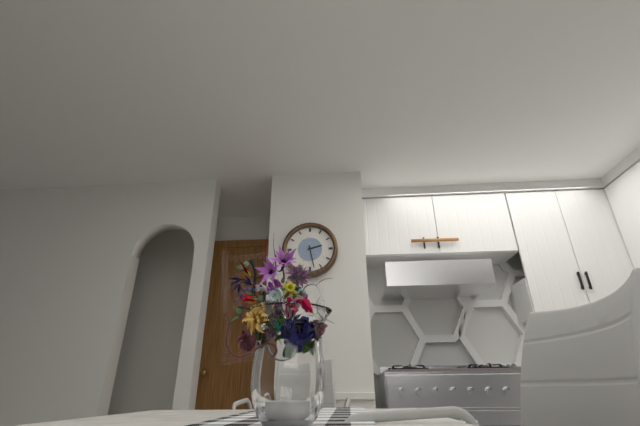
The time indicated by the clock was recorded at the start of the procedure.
2:28
